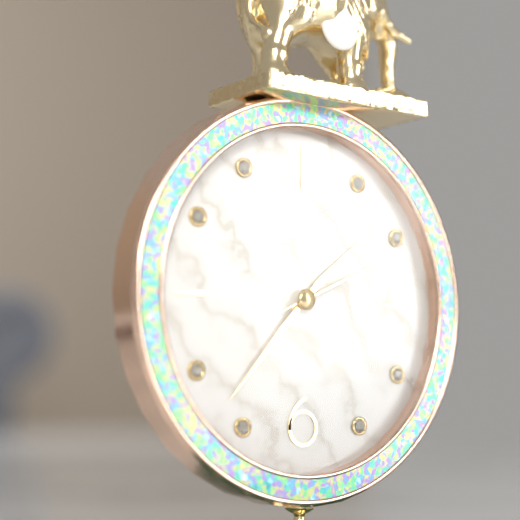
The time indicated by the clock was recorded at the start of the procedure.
1:37:11
